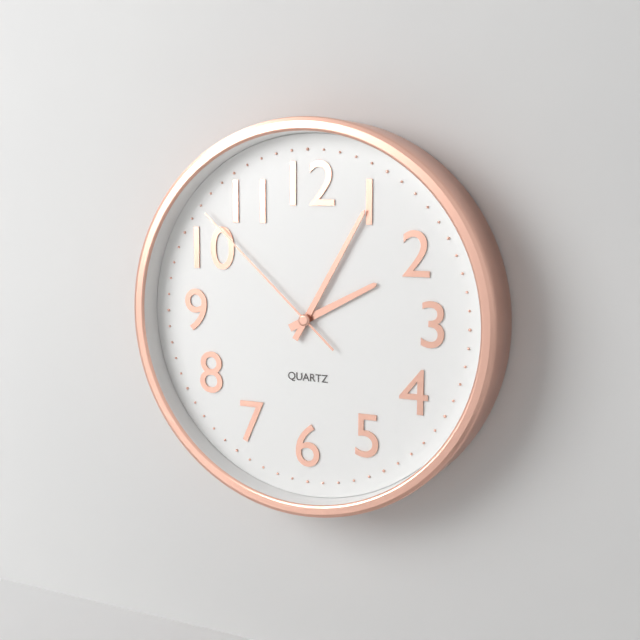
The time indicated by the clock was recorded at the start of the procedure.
2:05:52
